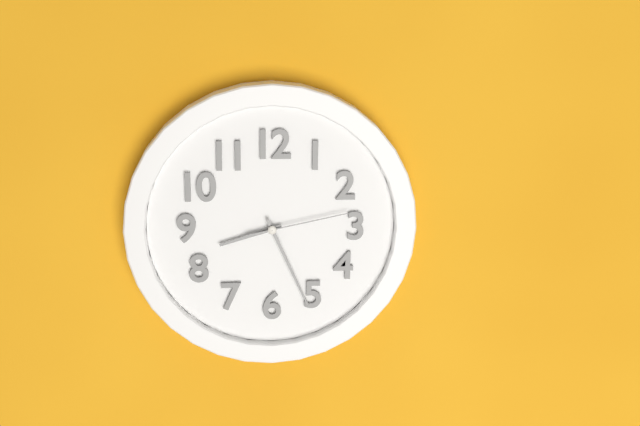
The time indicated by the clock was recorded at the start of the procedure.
8:26:13
